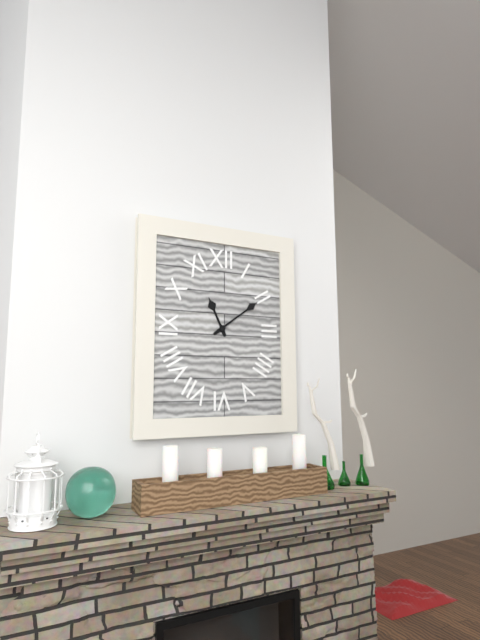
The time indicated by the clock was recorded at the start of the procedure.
11:09
